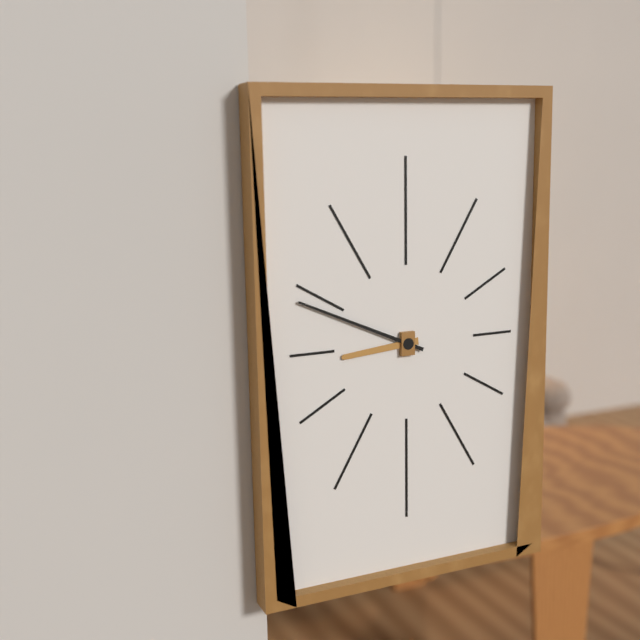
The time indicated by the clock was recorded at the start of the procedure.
8:49
